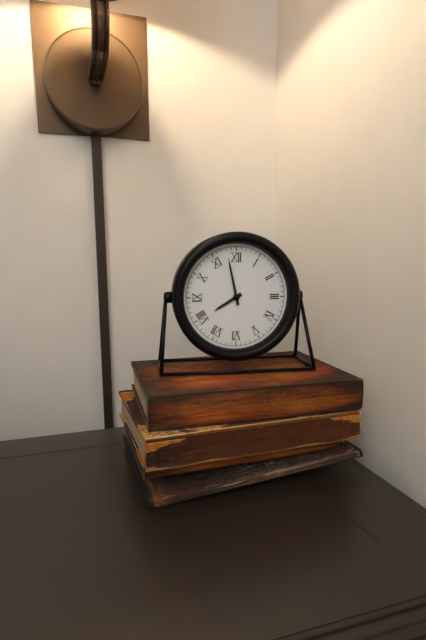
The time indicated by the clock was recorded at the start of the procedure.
7:58
